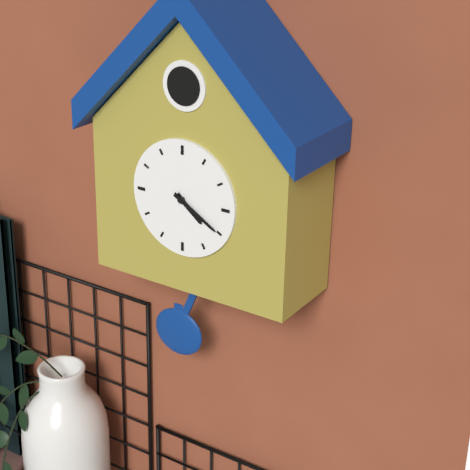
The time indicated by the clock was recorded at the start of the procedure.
4:20
